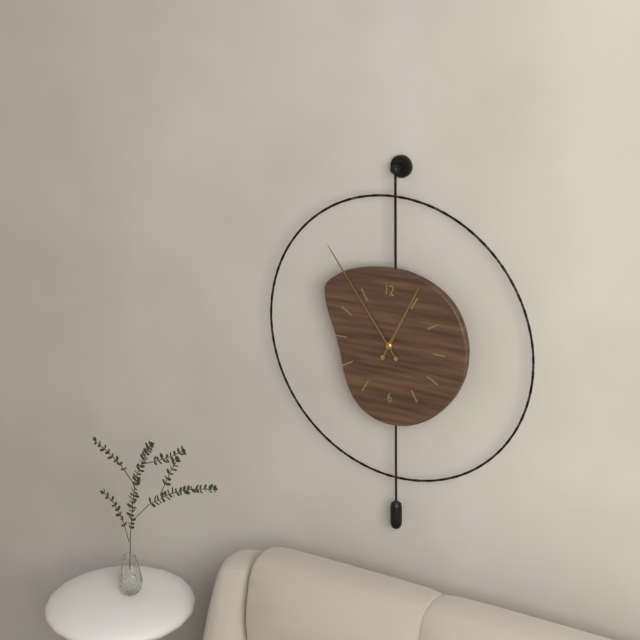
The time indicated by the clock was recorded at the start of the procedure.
12:54
